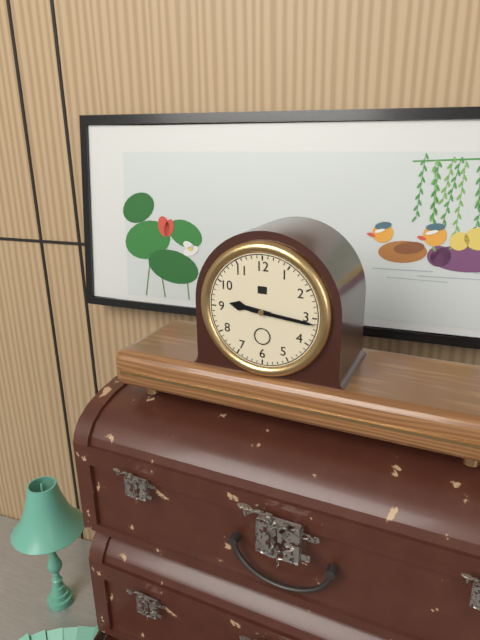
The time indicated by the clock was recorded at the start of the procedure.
9:16
